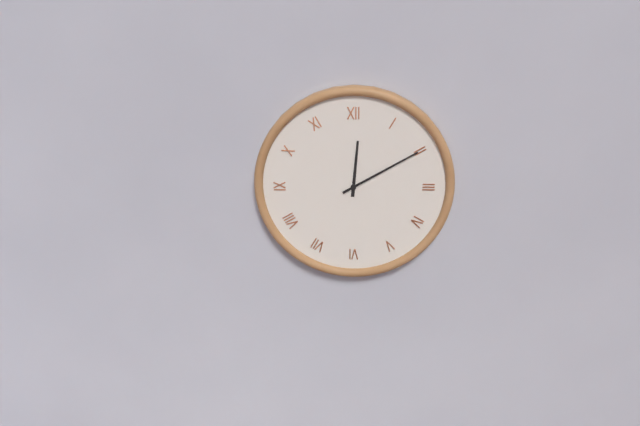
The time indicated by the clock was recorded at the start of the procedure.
12:10
